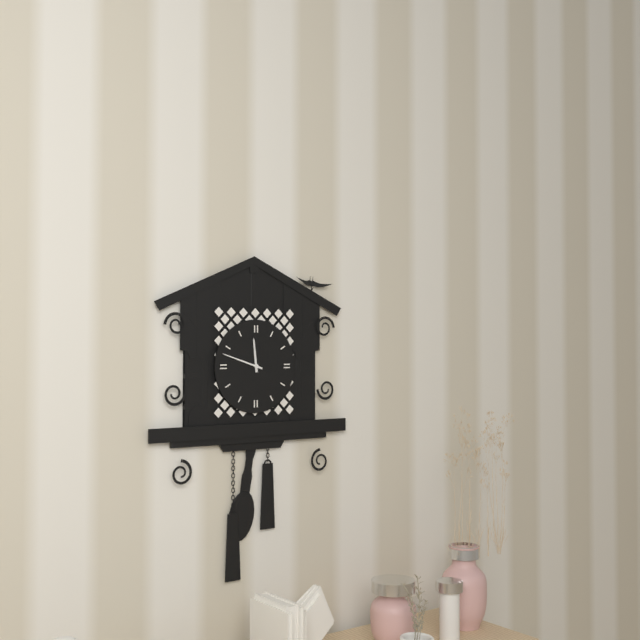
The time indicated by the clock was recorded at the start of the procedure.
11:48
